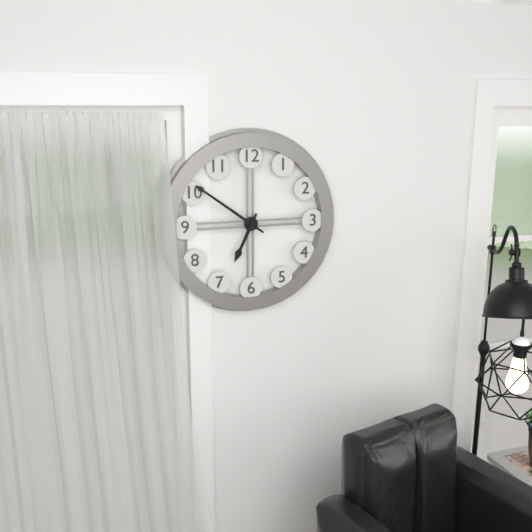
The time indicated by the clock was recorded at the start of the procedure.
6:51
